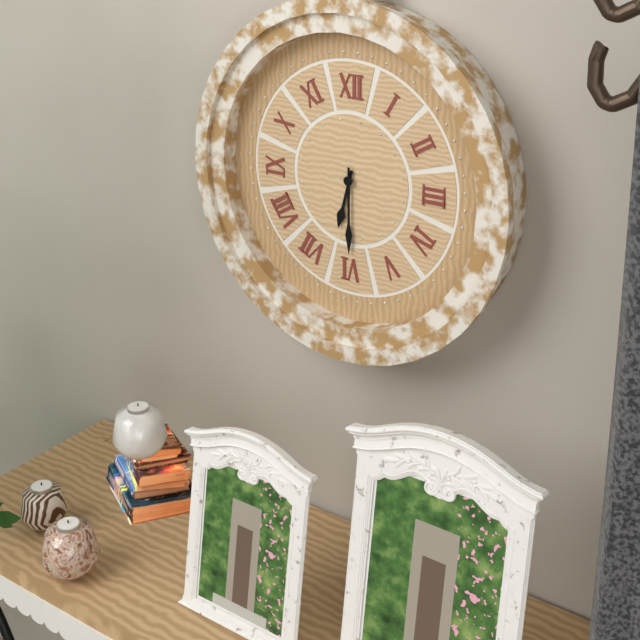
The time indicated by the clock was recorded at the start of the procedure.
6:30
